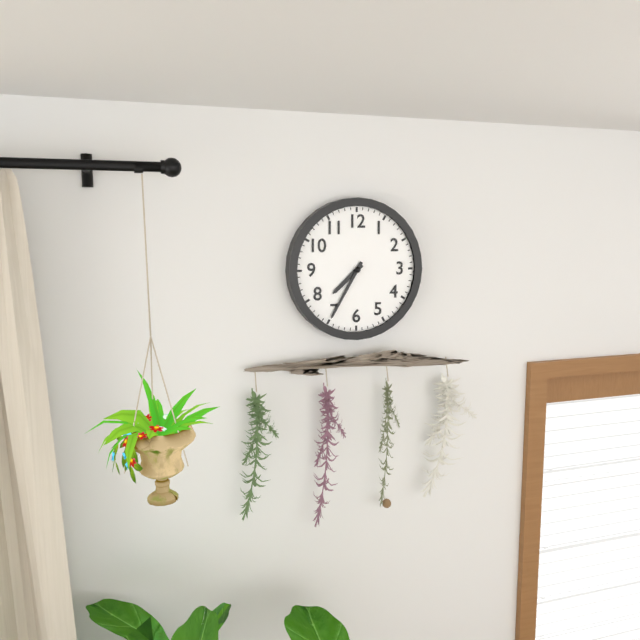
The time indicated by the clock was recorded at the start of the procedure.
7:35
